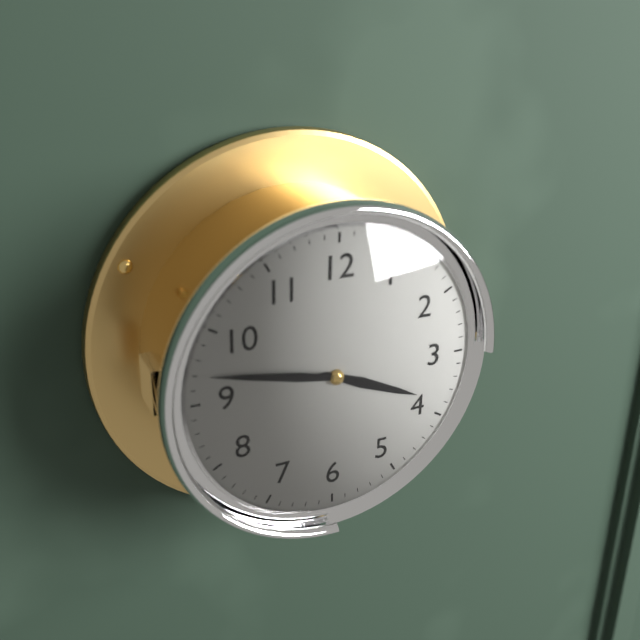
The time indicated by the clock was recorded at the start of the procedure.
3:47
